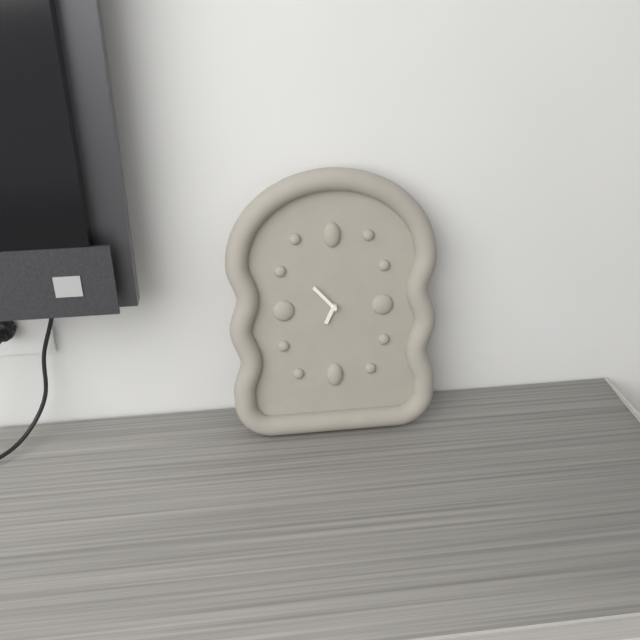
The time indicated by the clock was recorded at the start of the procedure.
6:53
